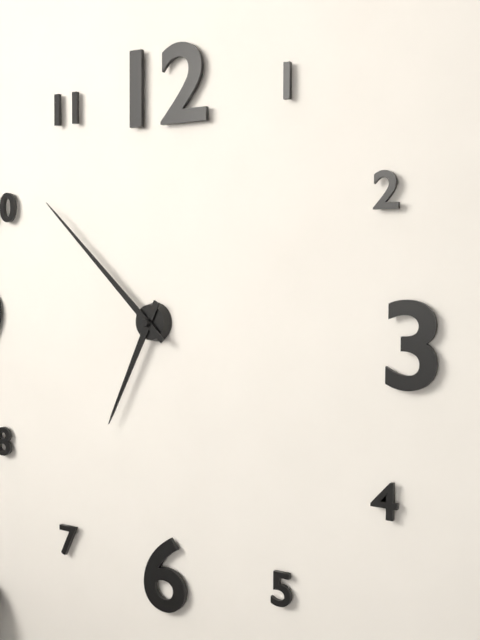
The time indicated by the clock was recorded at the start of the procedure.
6:52
